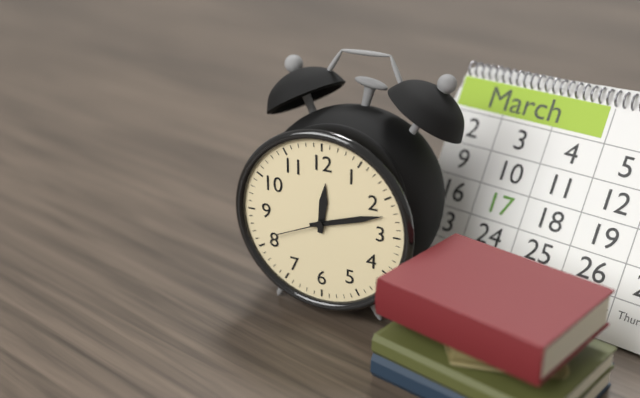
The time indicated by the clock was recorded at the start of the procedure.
12:12:41
